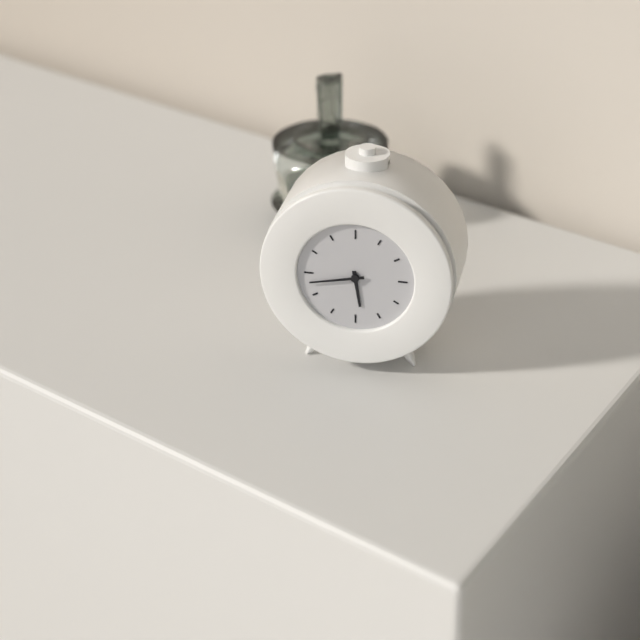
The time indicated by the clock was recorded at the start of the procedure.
5:43
